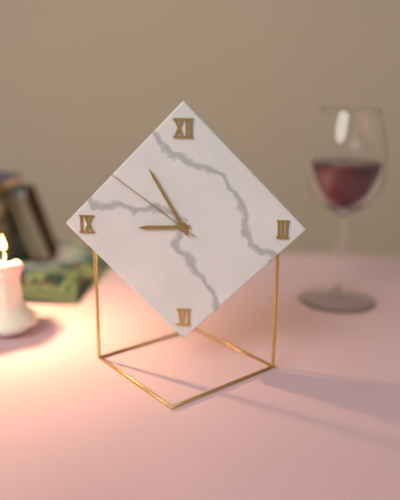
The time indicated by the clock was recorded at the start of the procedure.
8:55:51
